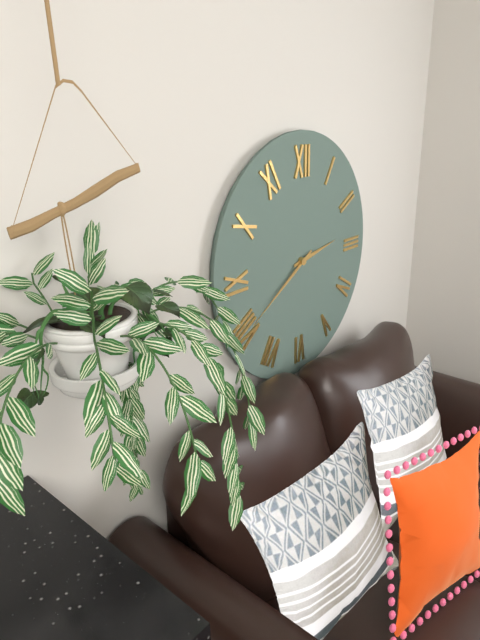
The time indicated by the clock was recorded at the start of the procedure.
2:40
